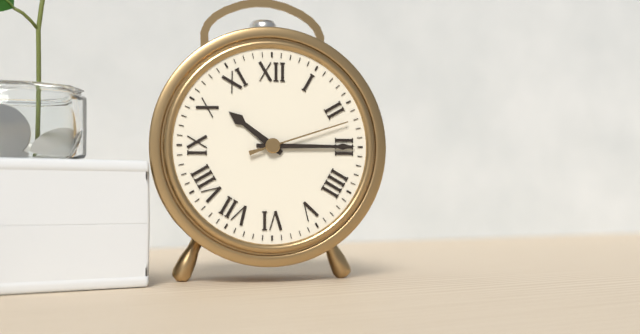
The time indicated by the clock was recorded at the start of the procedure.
10:15:12
